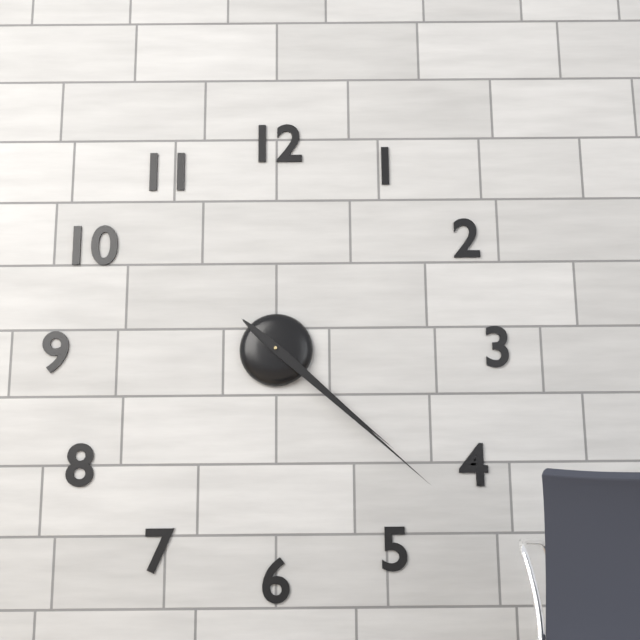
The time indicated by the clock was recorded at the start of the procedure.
4:22
